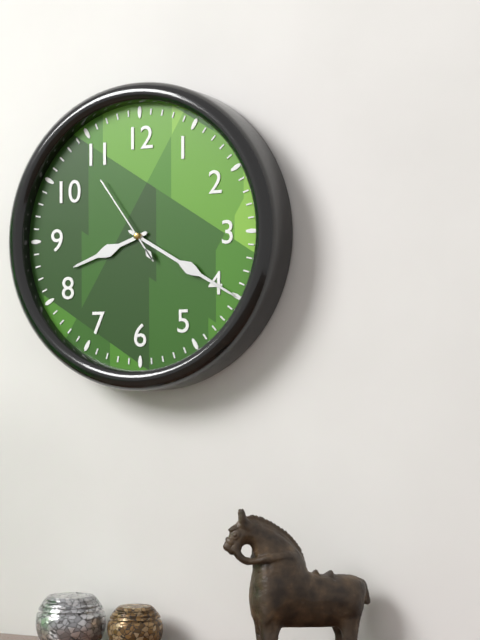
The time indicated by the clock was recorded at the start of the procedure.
8:20:54
